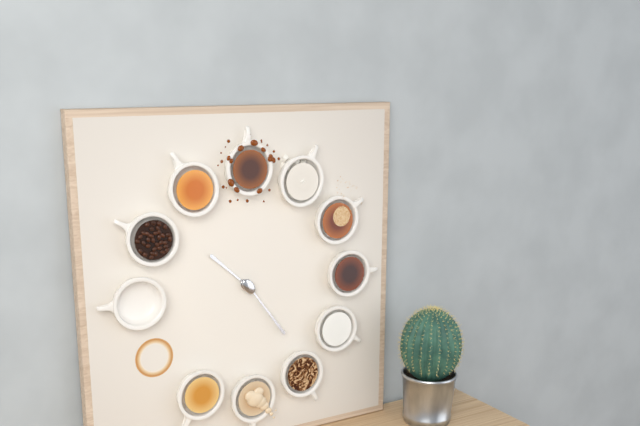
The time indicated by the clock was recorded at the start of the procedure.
10:24
